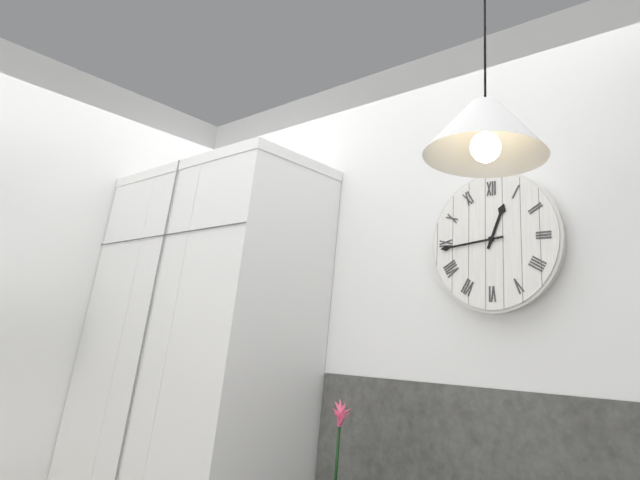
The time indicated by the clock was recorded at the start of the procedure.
12:44
